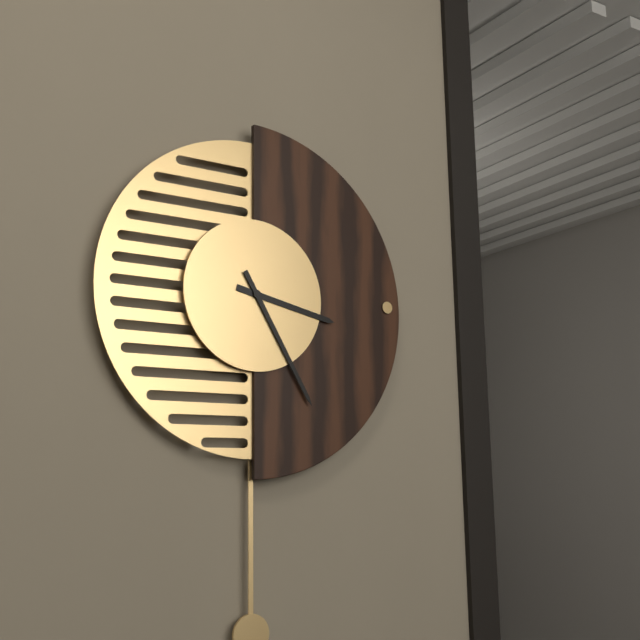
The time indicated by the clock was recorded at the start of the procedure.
3:25
